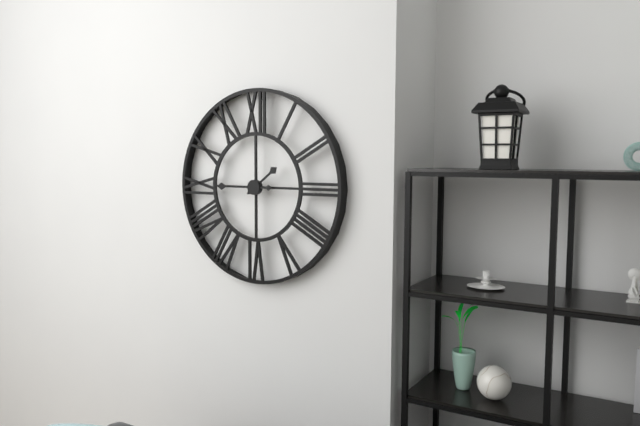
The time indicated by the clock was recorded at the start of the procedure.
1:45
